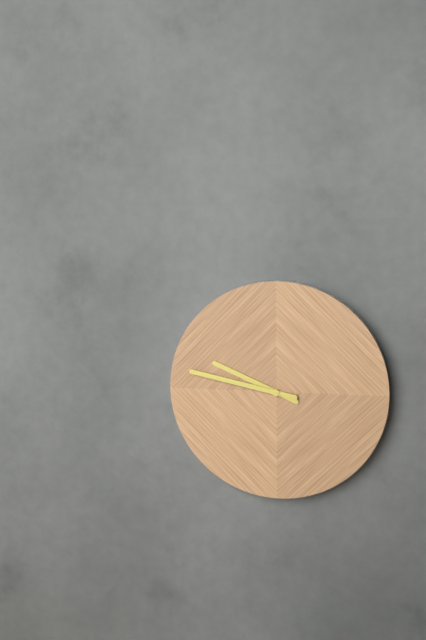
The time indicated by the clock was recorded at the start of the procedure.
9:47
